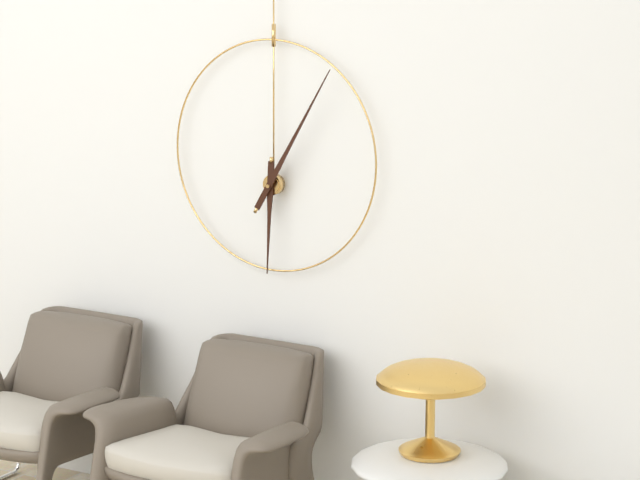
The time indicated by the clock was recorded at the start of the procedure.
6:05
